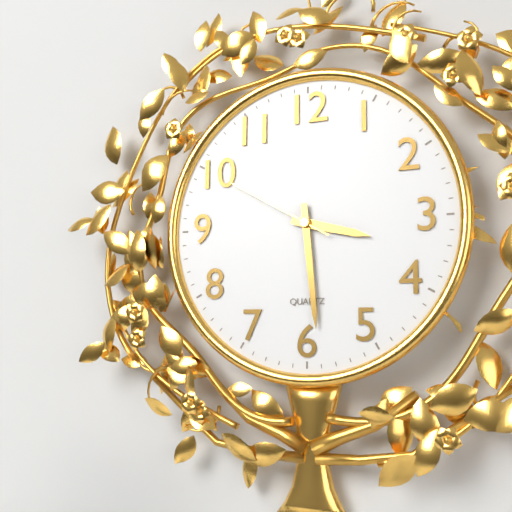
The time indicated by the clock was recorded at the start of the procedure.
3:29:50
